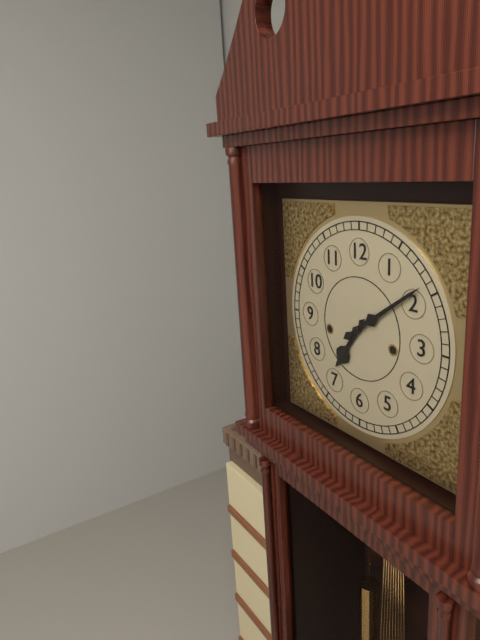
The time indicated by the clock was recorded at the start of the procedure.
7:09
